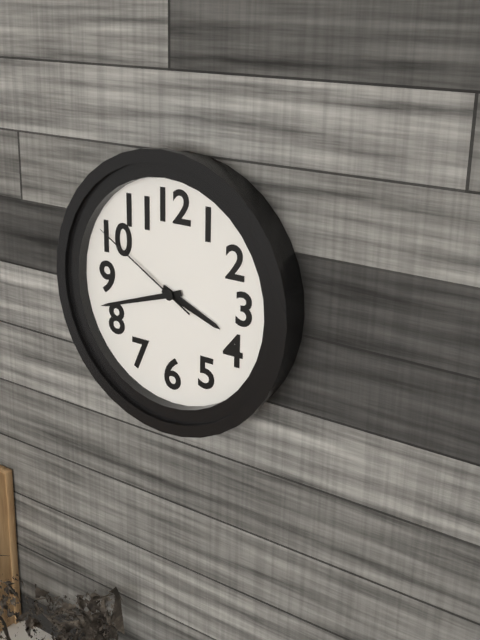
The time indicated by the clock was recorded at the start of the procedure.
3:42:50
